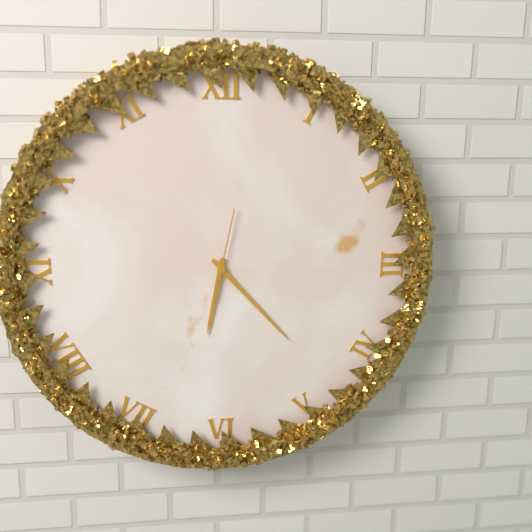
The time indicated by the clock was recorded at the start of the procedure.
6:23:02
